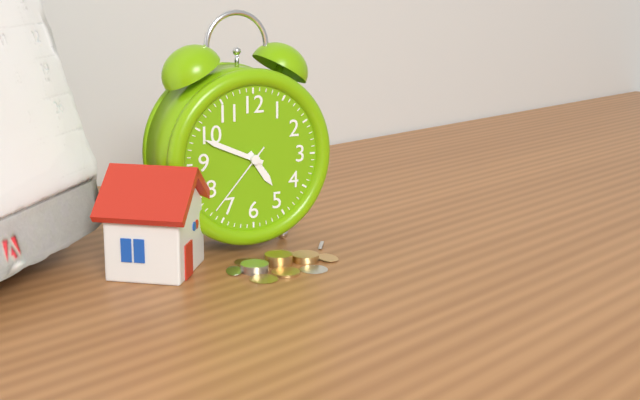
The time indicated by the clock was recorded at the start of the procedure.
4:49:37
